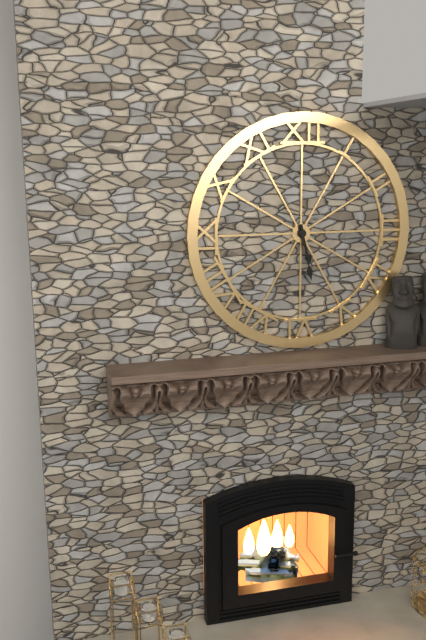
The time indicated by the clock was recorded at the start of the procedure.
5:28
